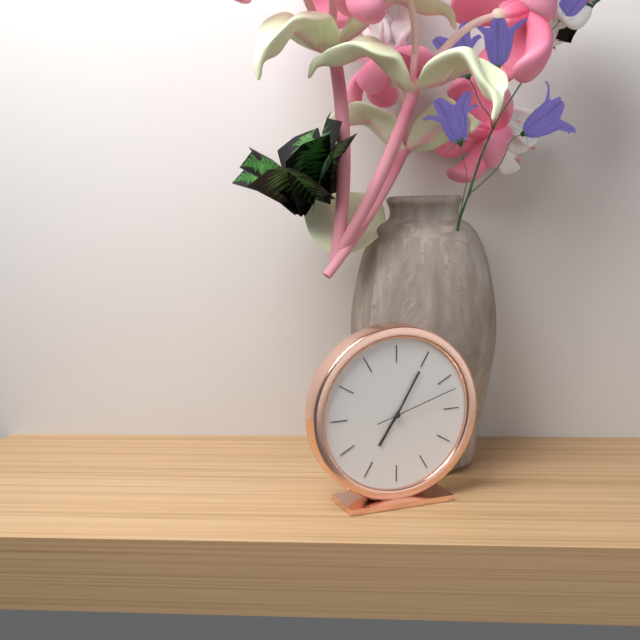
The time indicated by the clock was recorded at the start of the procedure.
7:05:12
